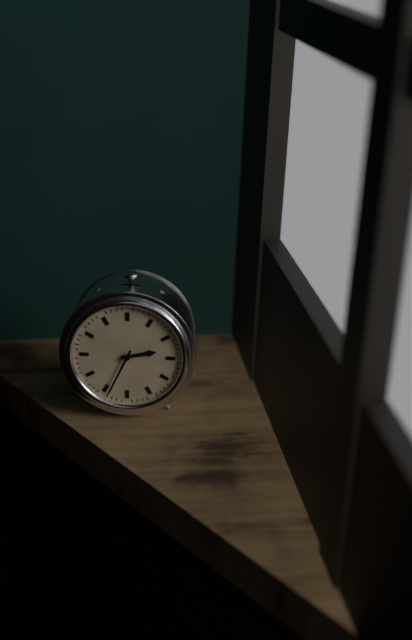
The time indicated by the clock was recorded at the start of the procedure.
2:34
